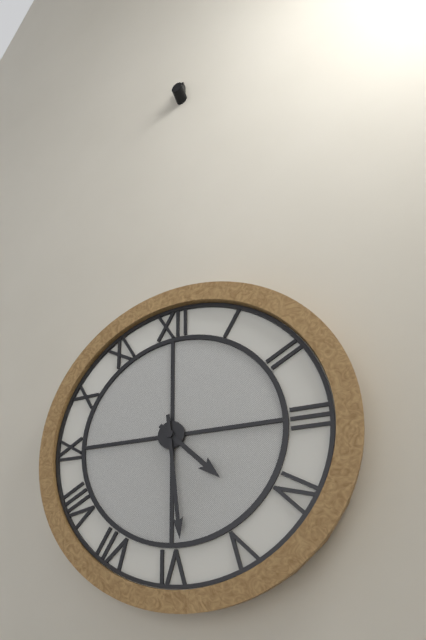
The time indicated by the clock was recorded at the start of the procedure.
4:29
